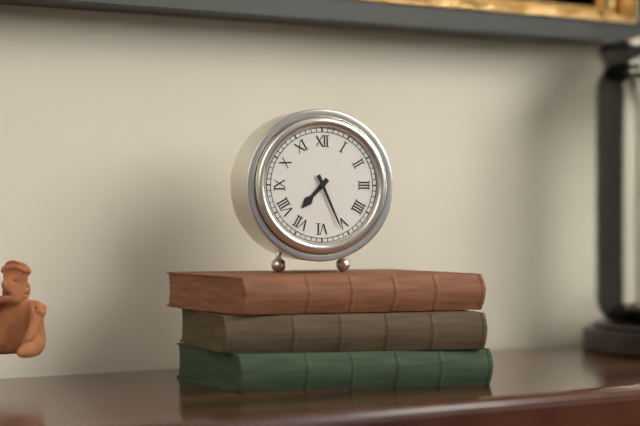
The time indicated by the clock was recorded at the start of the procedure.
7:26
